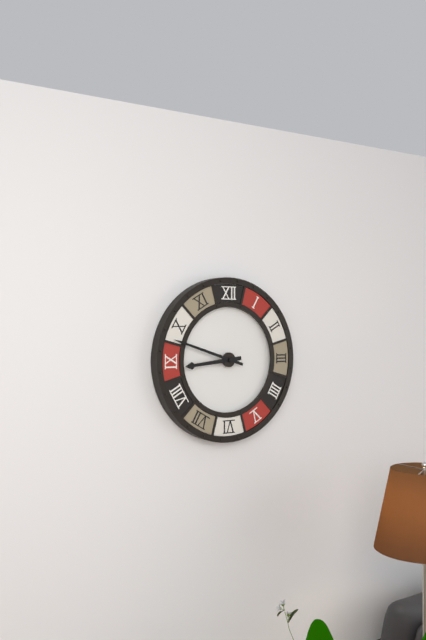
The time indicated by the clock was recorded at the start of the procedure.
8:48
